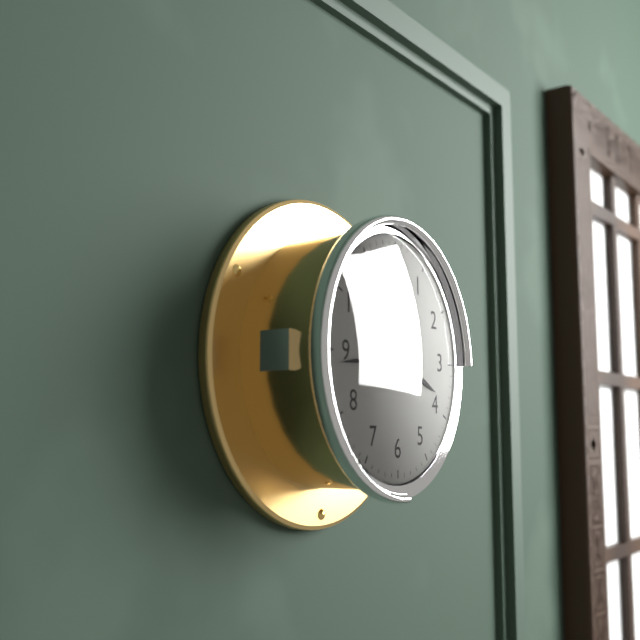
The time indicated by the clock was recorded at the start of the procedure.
3:44
